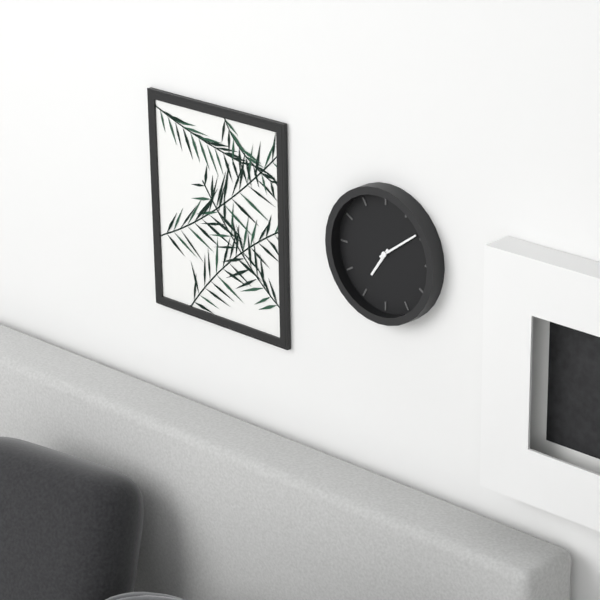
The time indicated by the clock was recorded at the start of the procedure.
7:09
